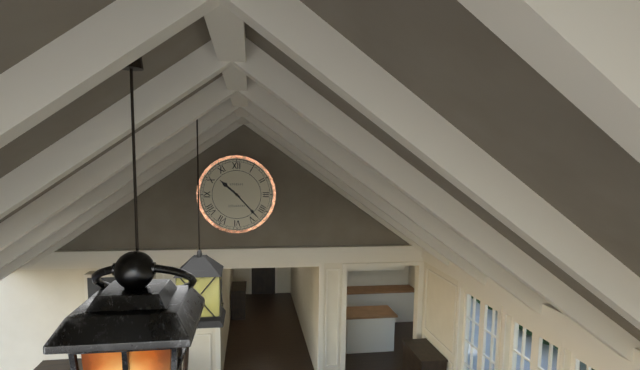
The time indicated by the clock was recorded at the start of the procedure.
10:23
